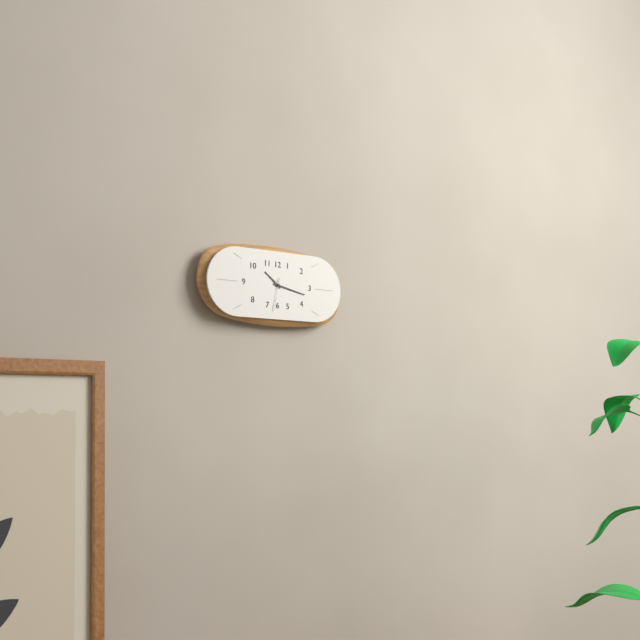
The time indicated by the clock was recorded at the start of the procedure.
10:17
